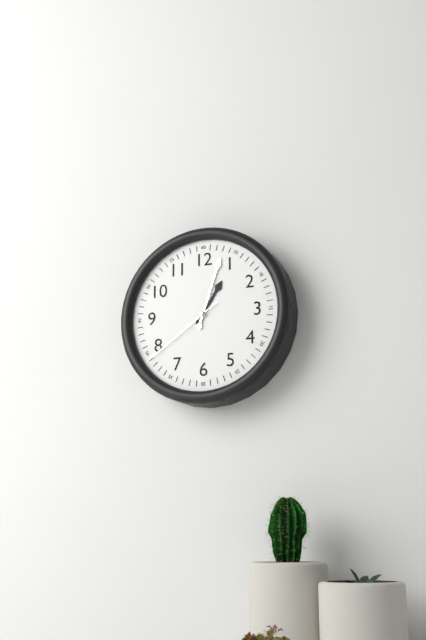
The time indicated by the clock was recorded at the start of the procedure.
1:03:39
